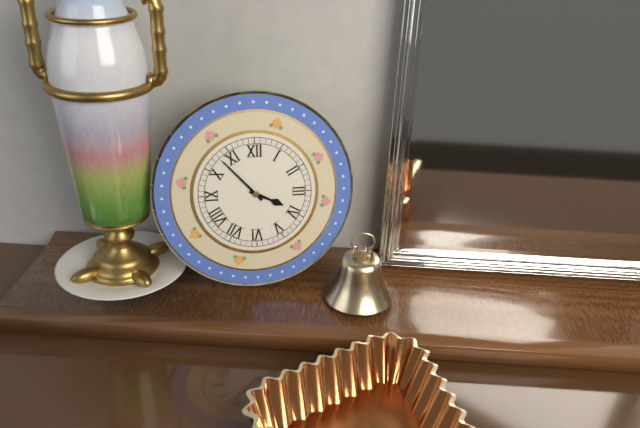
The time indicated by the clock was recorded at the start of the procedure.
3:53
